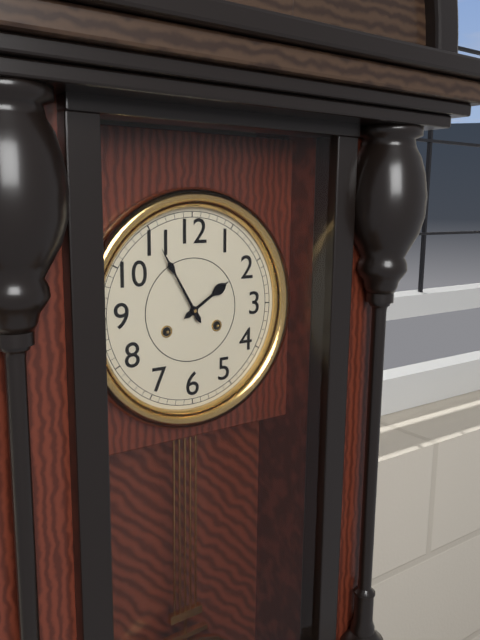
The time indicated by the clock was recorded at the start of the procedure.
1:55
